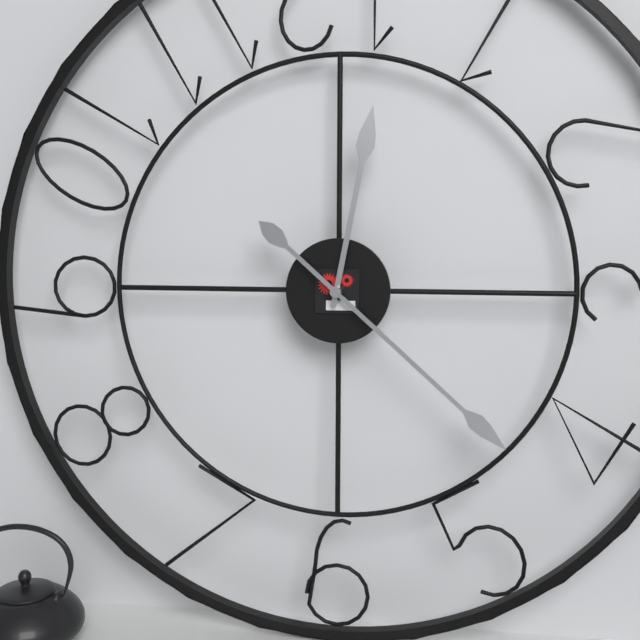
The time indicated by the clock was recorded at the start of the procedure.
12:22
